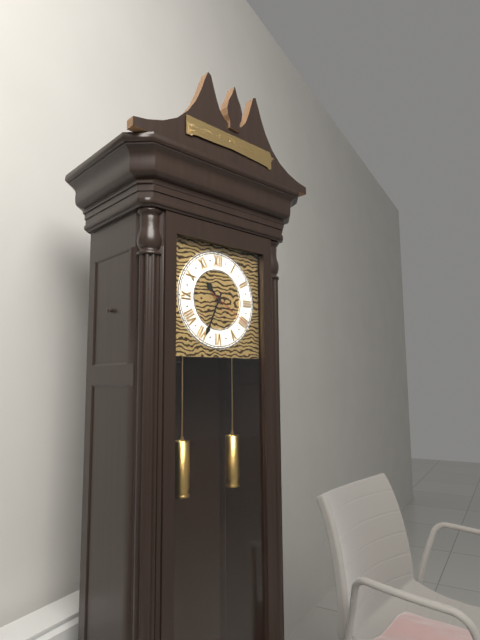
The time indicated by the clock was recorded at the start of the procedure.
10:34
